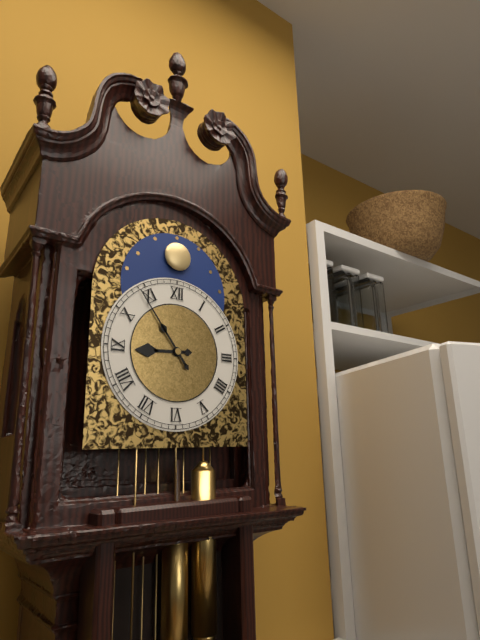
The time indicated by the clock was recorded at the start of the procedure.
8:54
